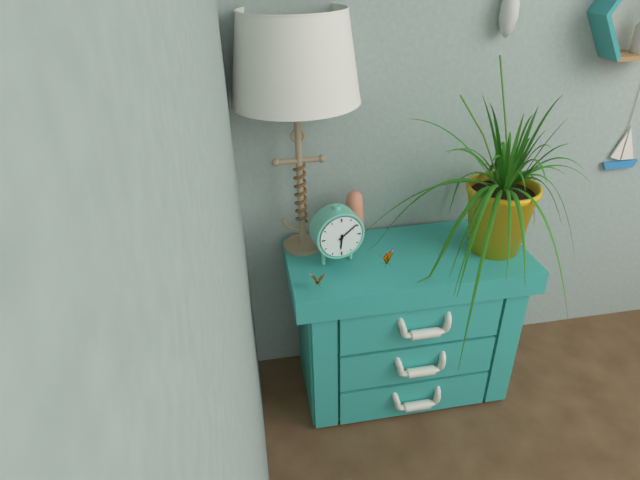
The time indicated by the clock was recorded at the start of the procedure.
6:09
